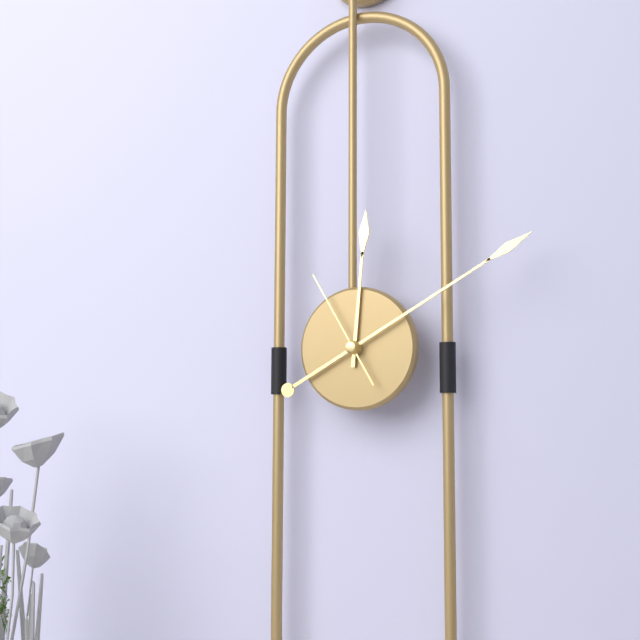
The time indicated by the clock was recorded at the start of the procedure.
12:10:55
